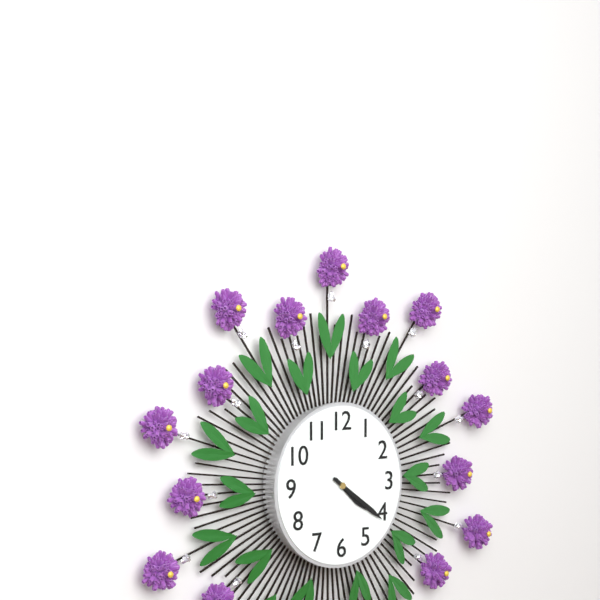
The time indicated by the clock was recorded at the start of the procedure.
4:21
